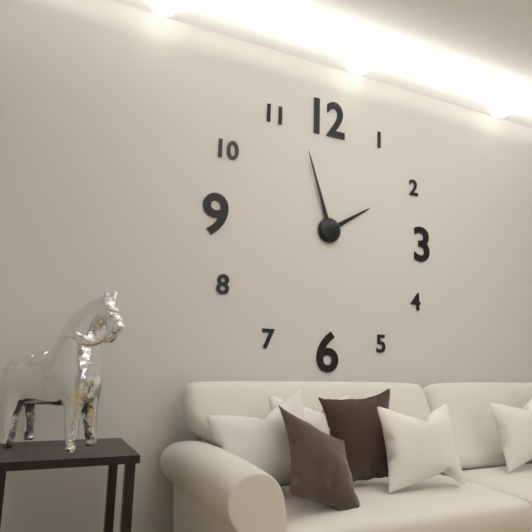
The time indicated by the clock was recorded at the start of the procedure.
1:57
